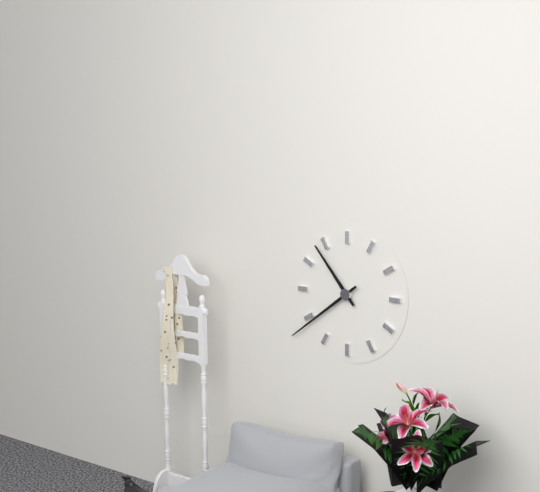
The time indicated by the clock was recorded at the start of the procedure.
10:39
